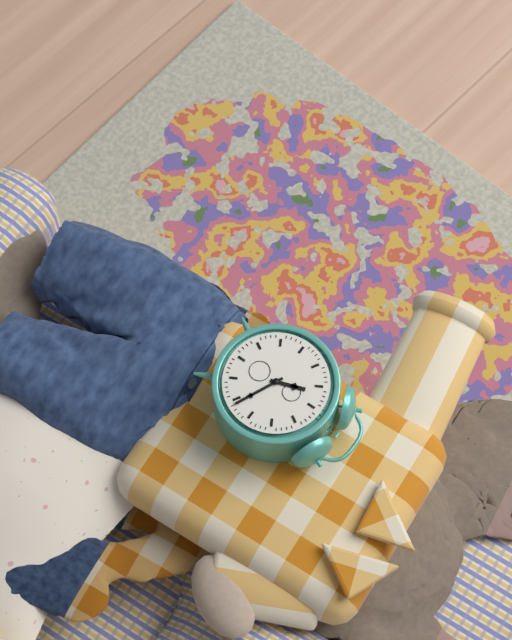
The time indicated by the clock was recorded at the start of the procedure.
11:19
